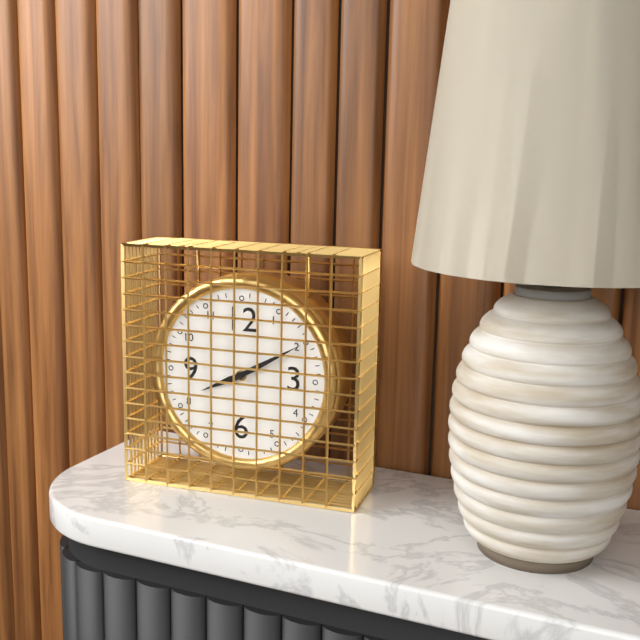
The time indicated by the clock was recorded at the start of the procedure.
8:10
